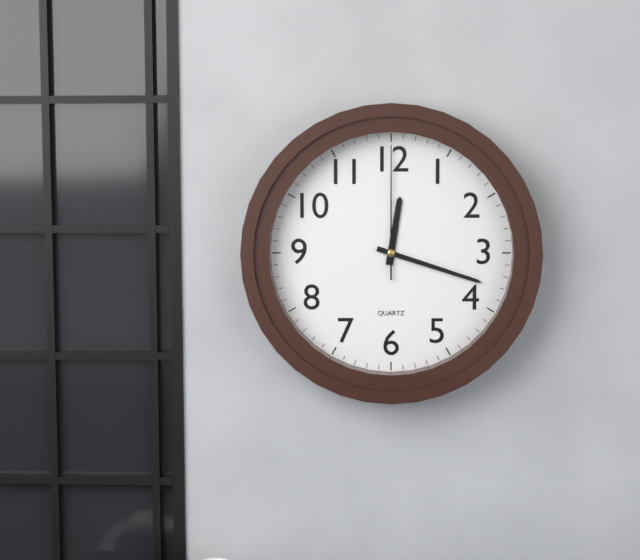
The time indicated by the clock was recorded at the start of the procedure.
12:18:00
